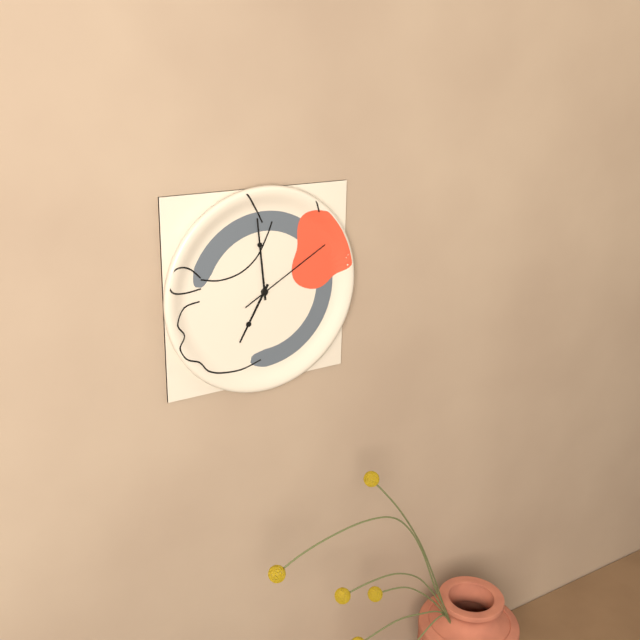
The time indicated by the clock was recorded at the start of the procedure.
6:59:10
